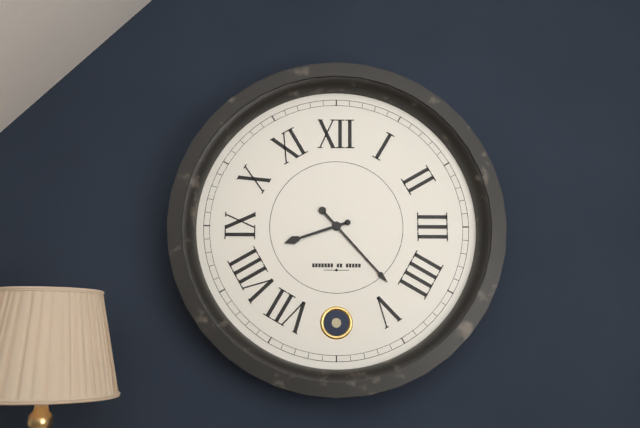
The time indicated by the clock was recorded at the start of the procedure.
8:23
